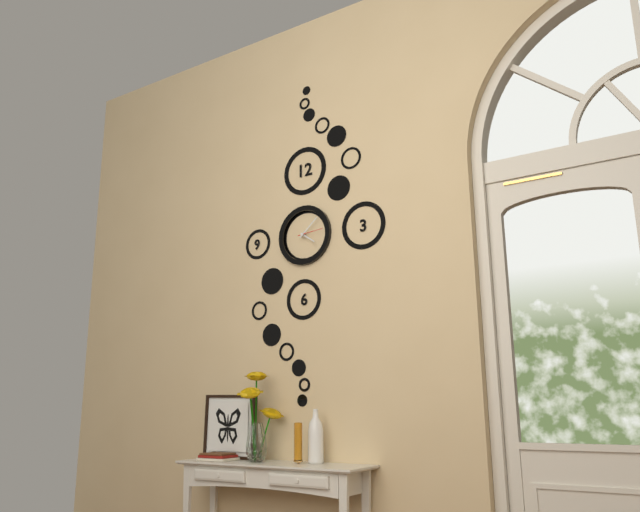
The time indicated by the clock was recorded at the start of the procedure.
4:08
